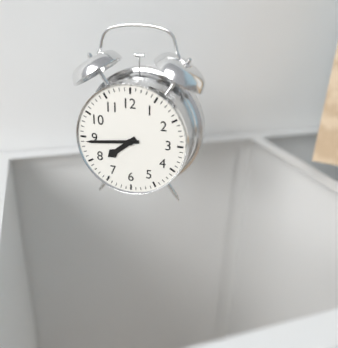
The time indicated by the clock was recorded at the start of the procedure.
7:44
